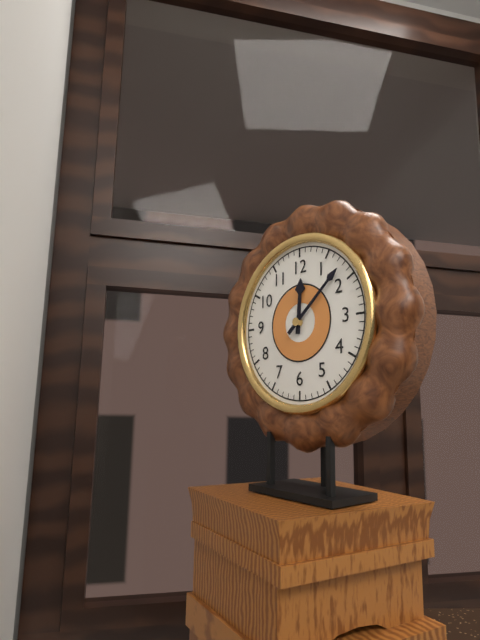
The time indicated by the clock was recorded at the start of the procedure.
12:08
